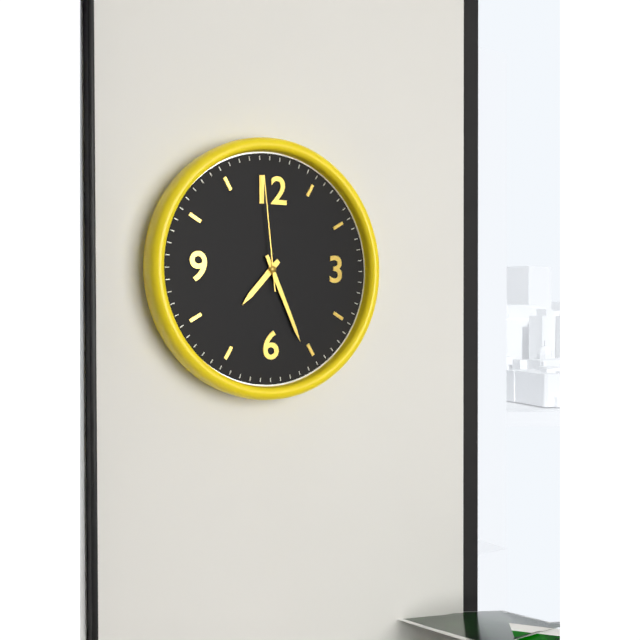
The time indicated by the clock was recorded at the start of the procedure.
7:26:59
